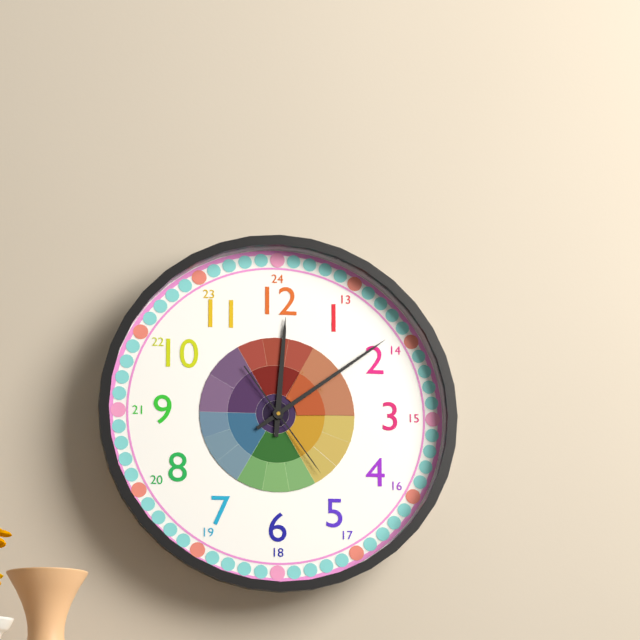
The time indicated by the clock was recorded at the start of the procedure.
12:09:24
